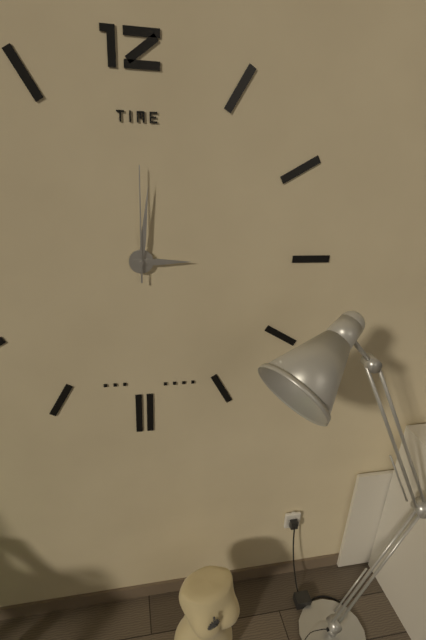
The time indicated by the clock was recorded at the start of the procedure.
3:01:00
